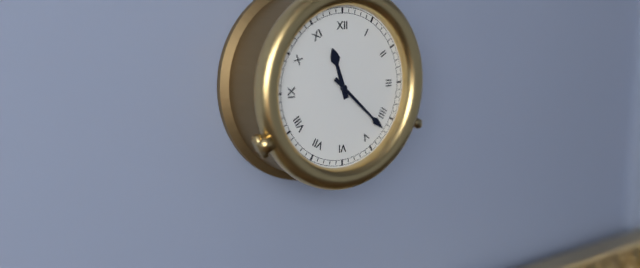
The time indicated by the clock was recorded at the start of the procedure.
11:22
